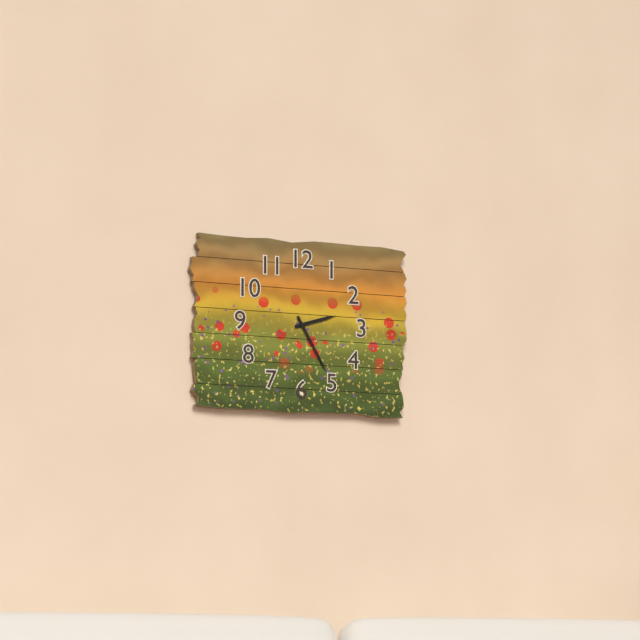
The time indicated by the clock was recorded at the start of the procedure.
2:25
